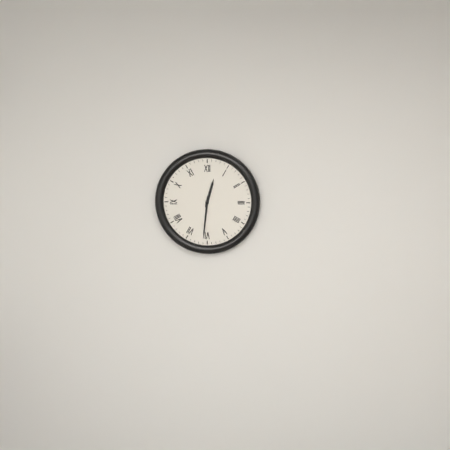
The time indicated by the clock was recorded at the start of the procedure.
12:31
